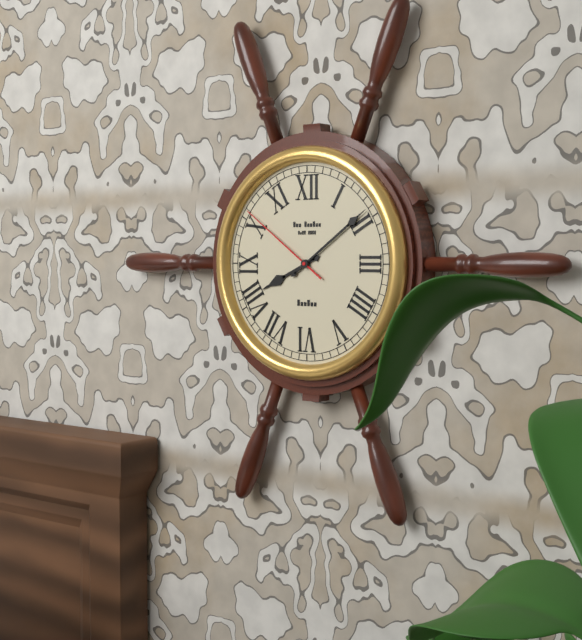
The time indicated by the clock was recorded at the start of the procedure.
8:09:51
